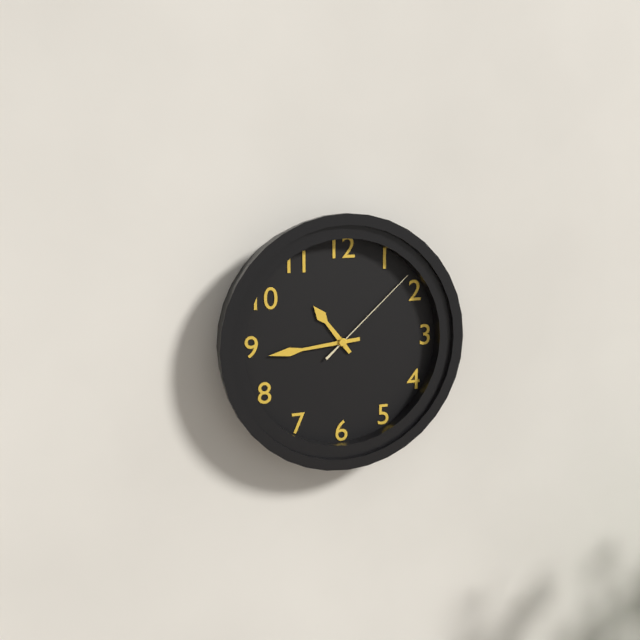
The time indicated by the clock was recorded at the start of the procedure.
10:44:08
